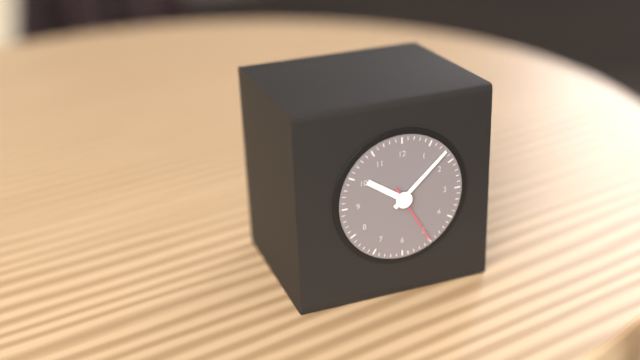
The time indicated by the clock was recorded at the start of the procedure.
10:08:25
